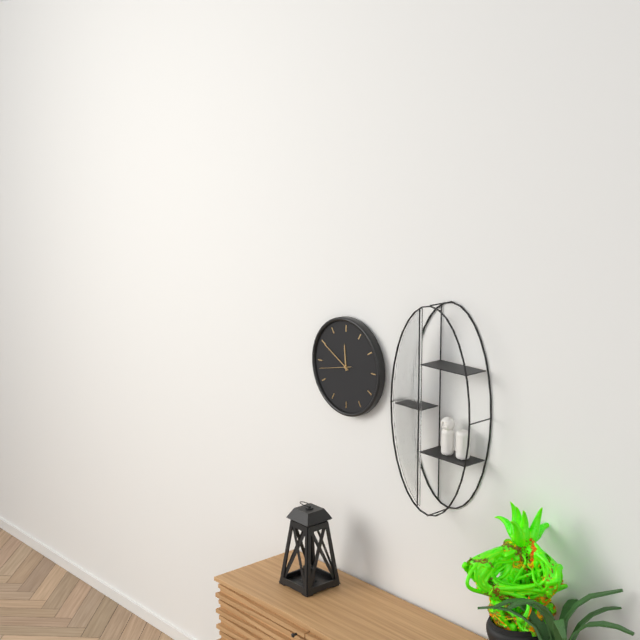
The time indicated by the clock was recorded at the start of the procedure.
11:50
